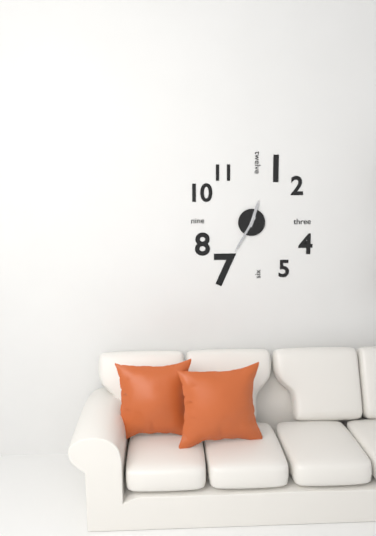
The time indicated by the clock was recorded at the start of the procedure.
12:35
